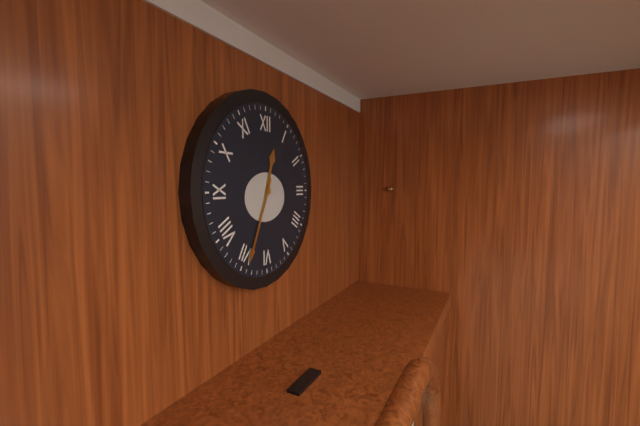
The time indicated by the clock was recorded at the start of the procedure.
12:34
